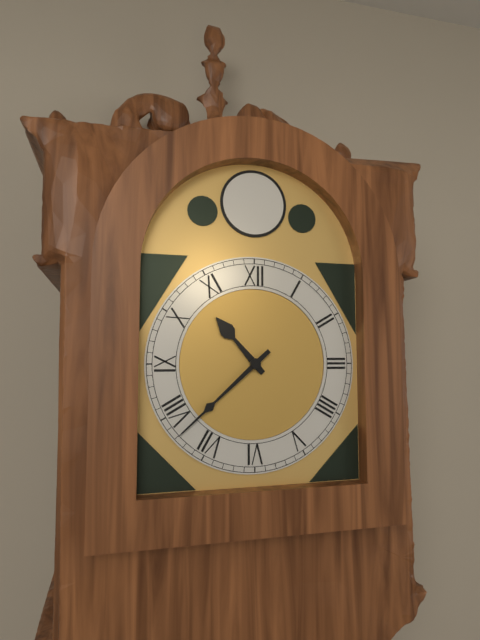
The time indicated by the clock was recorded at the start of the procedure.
10:38
